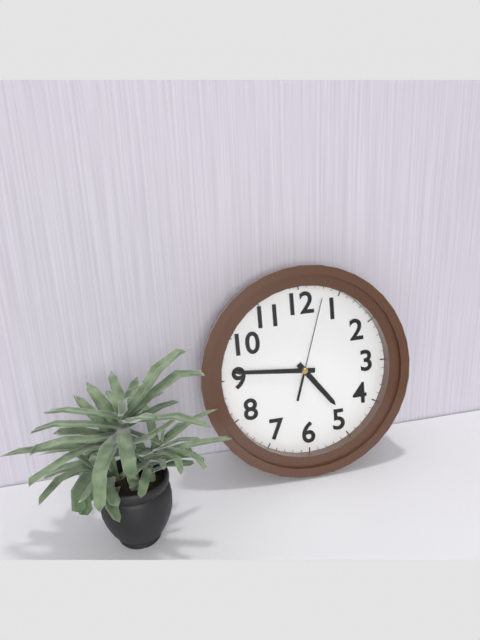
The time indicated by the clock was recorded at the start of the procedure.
4:46:03
